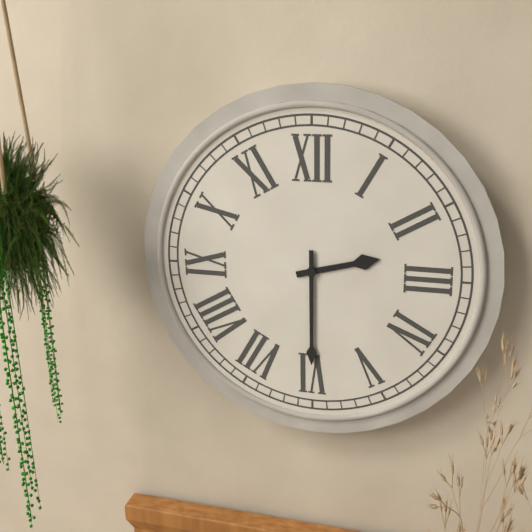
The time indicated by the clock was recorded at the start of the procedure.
2:30
